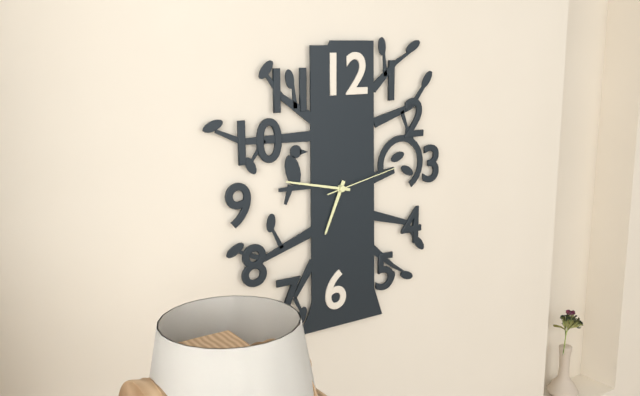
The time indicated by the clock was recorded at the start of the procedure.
6:47:13
